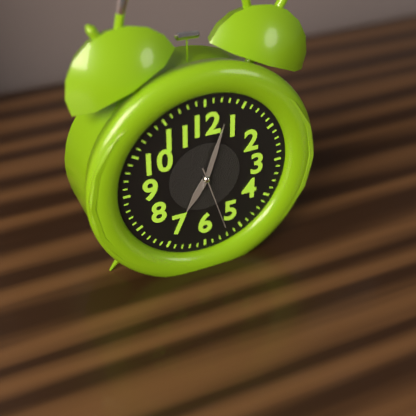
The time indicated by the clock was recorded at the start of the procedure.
7:03:27
